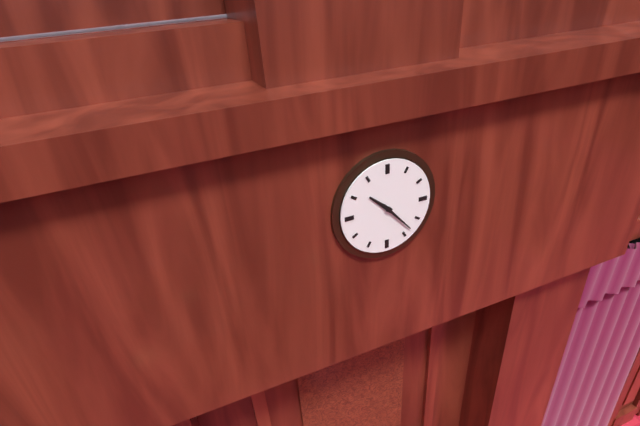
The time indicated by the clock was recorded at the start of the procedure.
10:23
